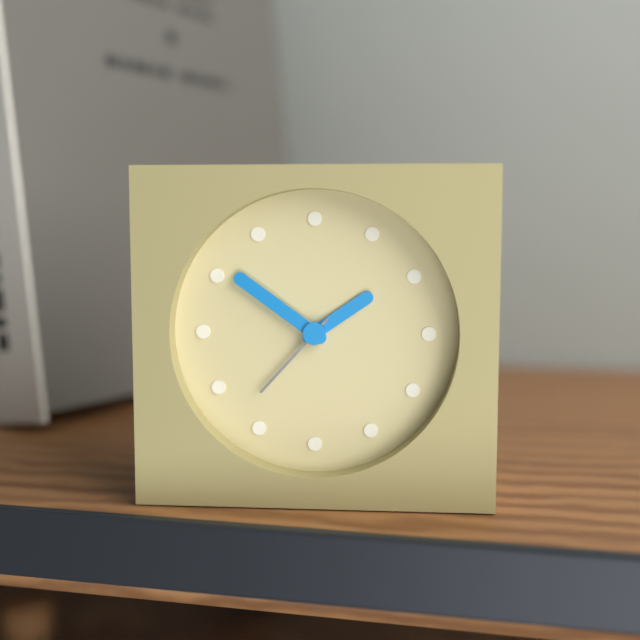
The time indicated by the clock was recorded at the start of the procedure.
1:51:37
